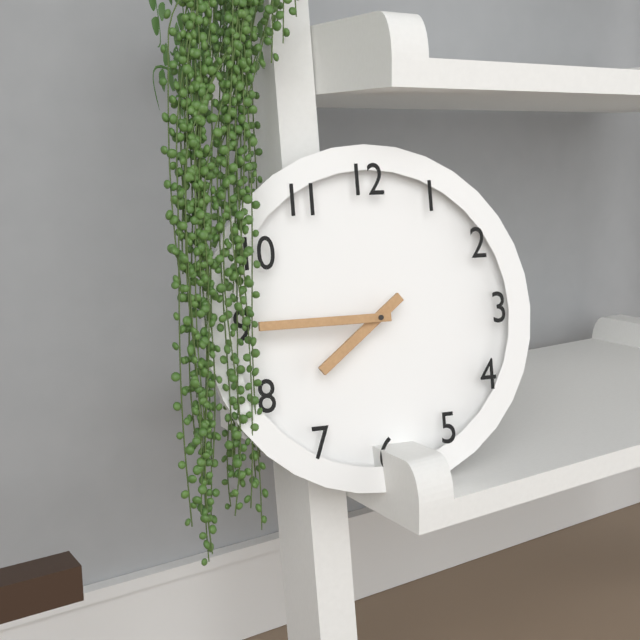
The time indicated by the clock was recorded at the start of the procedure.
7:45
